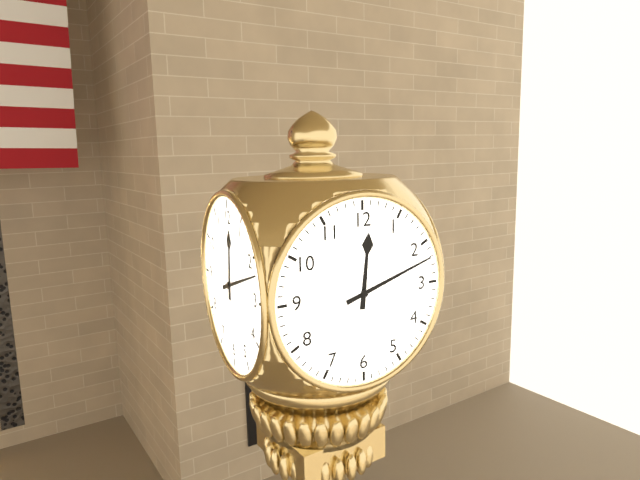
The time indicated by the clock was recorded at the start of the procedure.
12:12
